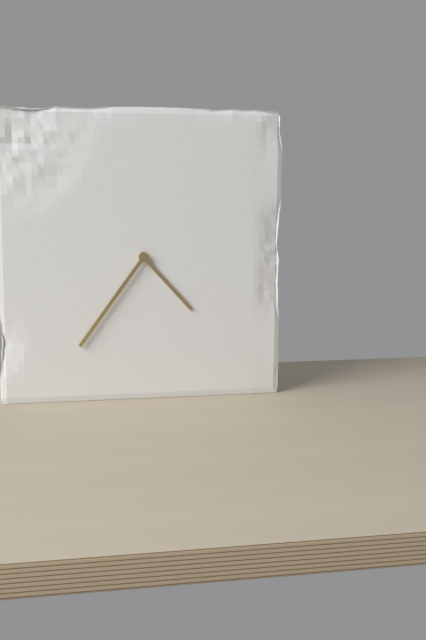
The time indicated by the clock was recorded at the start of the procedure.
4:36
